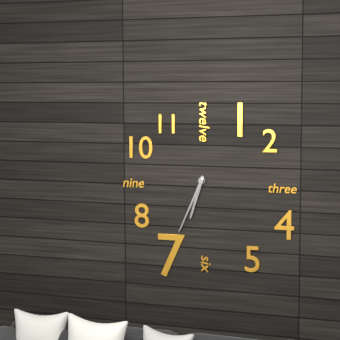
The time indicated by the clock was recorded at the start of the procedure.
6:34
